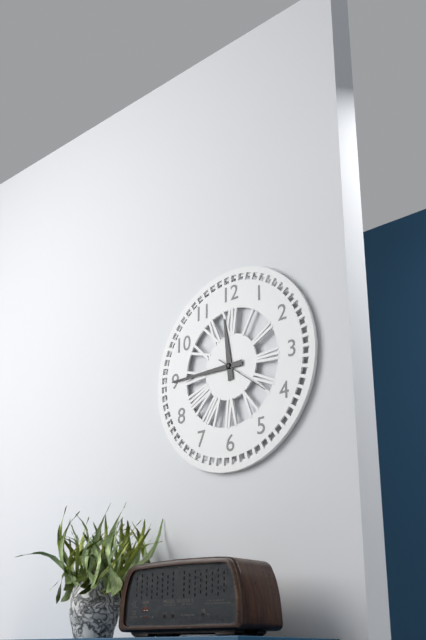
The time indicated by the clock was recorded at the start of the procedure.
11:45:21
